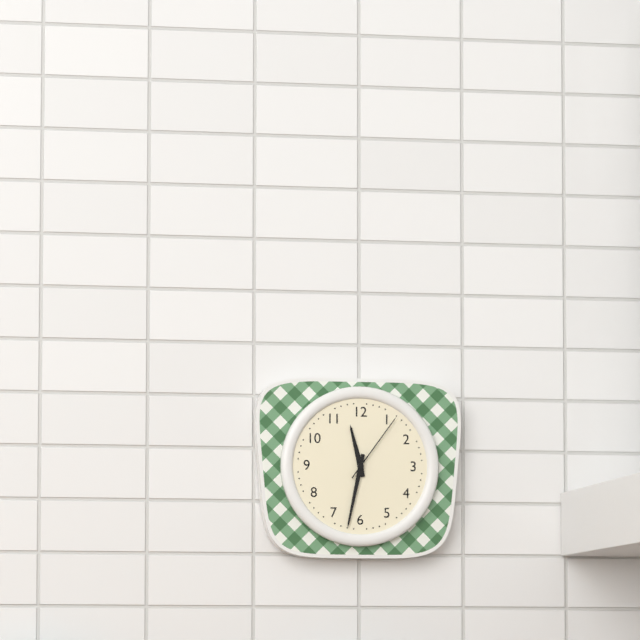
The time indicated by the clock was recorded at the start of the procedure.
11:32:06
